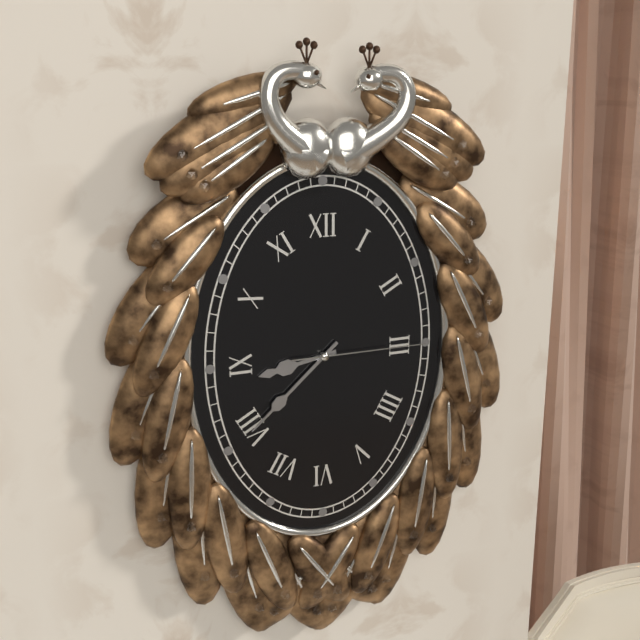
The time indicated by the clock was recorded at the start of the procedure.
8:38:15
